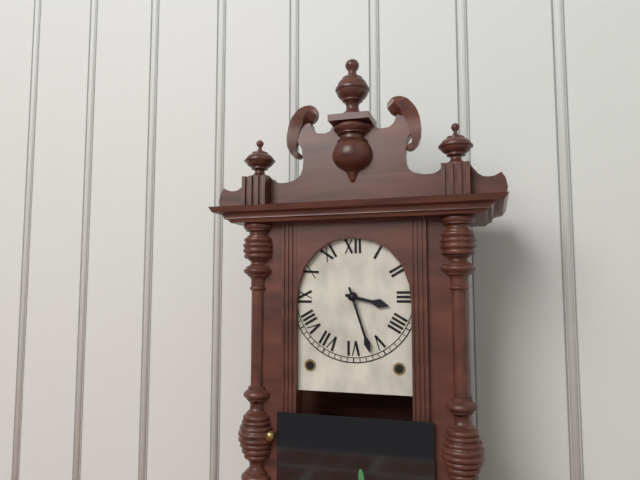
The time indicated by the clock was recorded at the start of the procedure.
3:27
